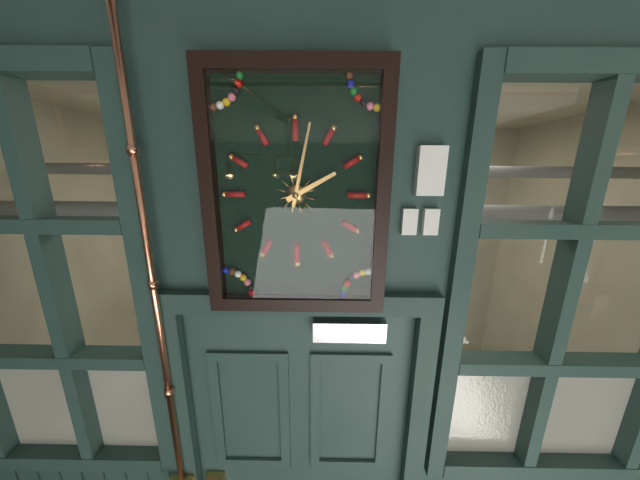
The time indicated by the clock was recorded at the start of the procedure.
2:02
